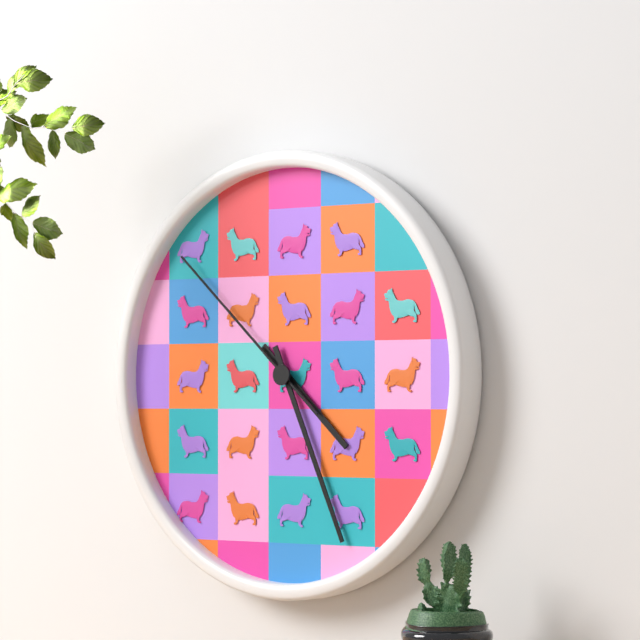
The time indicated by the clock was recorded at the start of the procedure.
4:26:52
